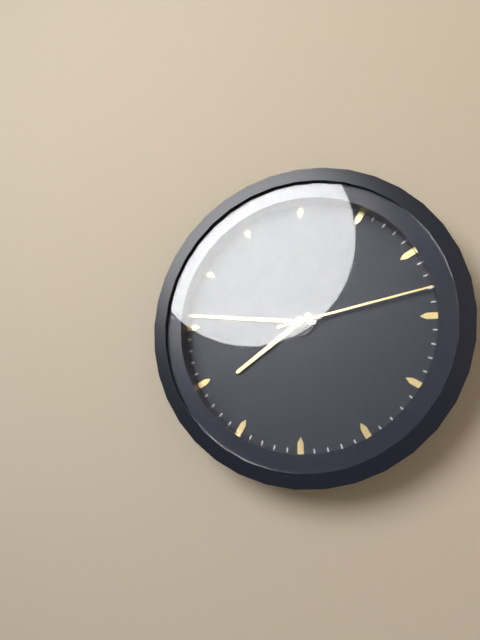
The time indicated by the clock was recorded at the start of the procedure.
7:46:13
